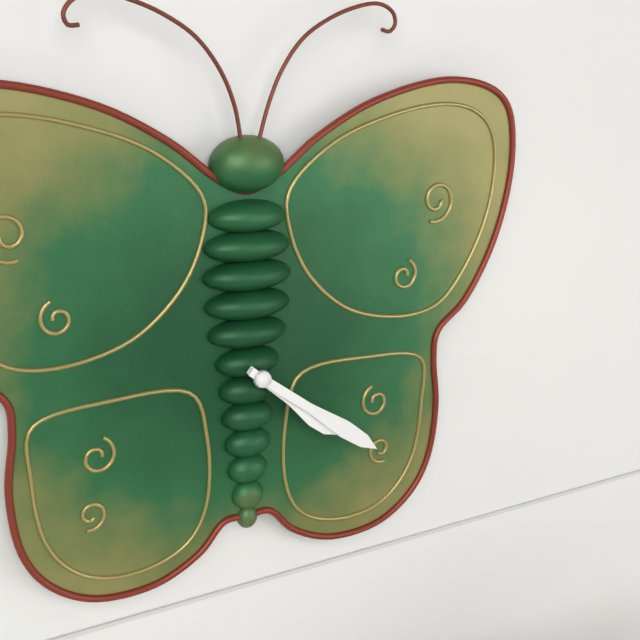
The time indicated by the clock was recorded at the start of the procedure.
4:21
